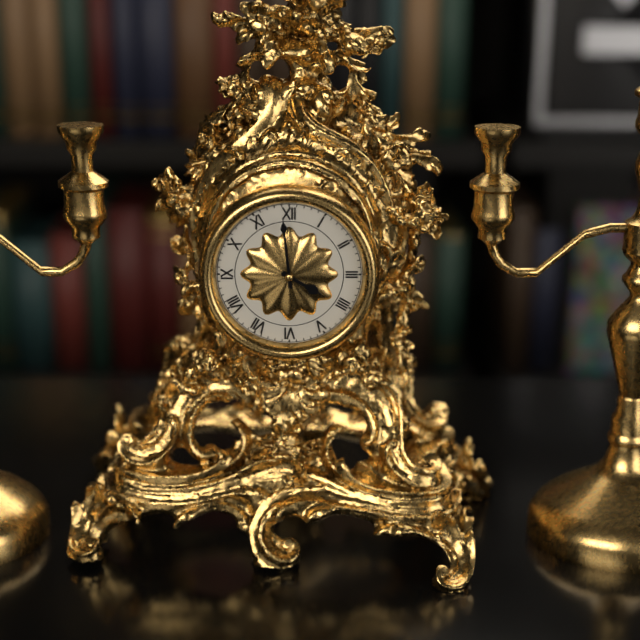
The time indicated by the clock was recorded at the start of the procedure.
3:59
